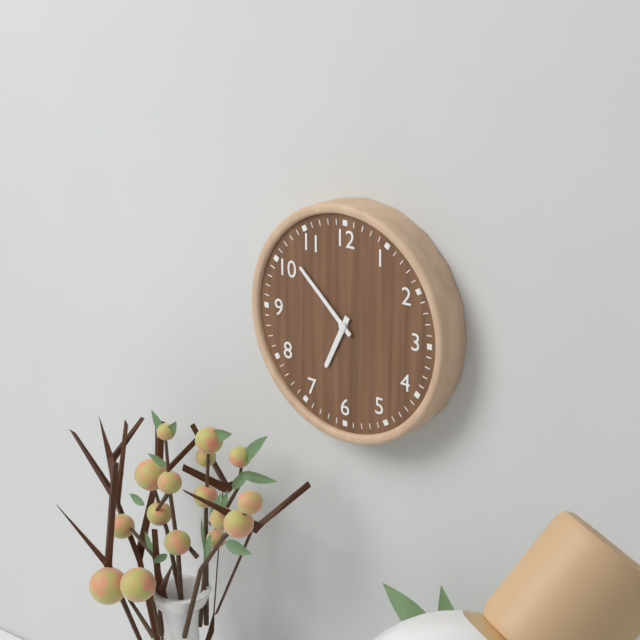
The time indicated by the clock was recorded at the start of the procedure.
6:52
